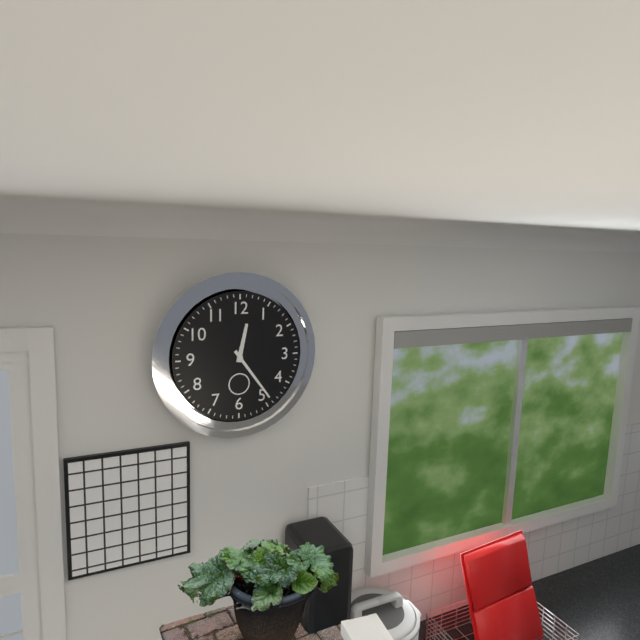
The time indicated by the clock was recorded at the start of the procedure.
12:24
